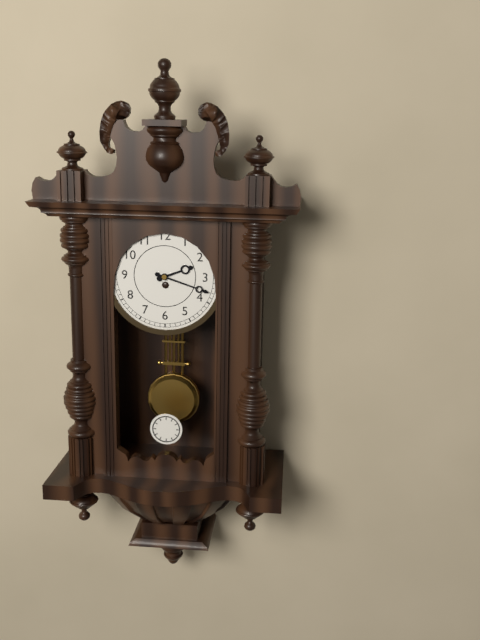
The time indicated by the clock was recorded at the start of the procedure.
2:18
